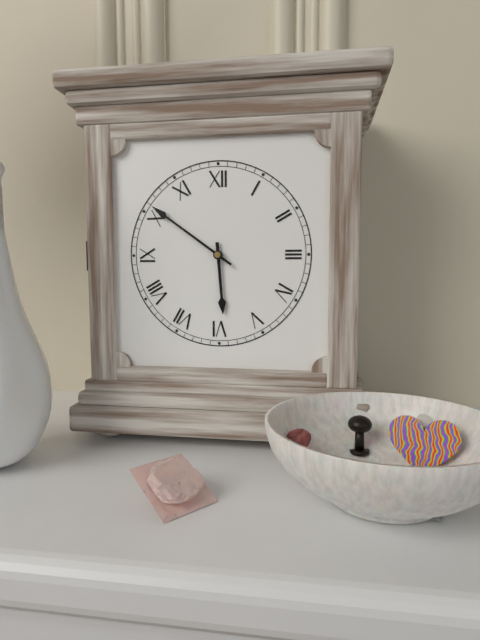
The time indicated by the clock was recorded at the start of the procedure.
5:51
